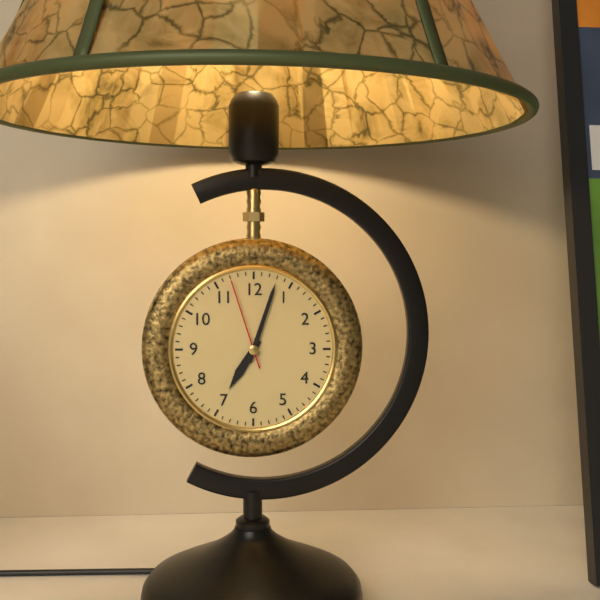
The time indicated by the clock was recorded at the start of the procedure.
7:03:57
